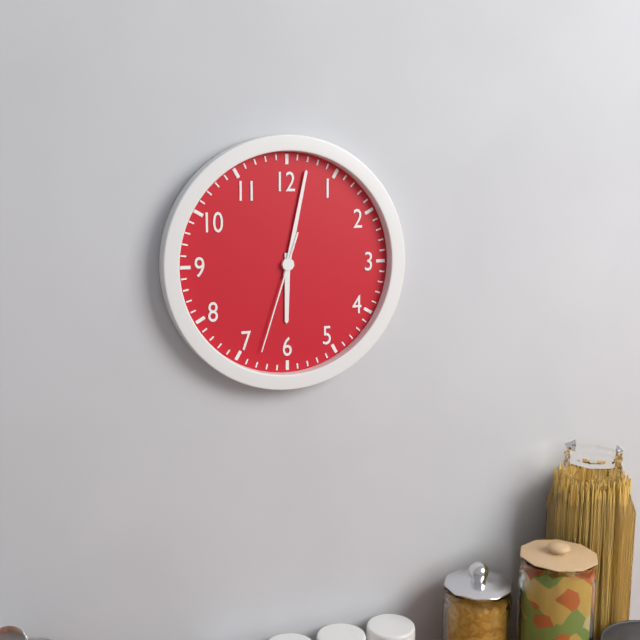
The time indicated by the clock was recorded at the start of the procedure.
6:02:33
